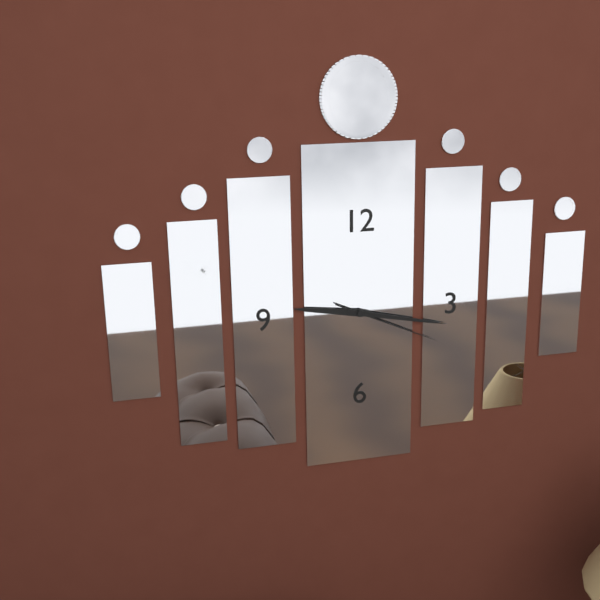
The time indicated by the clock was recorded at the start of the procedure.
9:17:19
